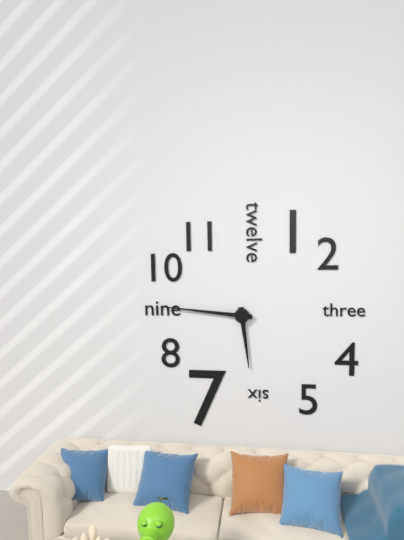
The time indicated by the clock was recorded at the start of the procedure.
5:46
